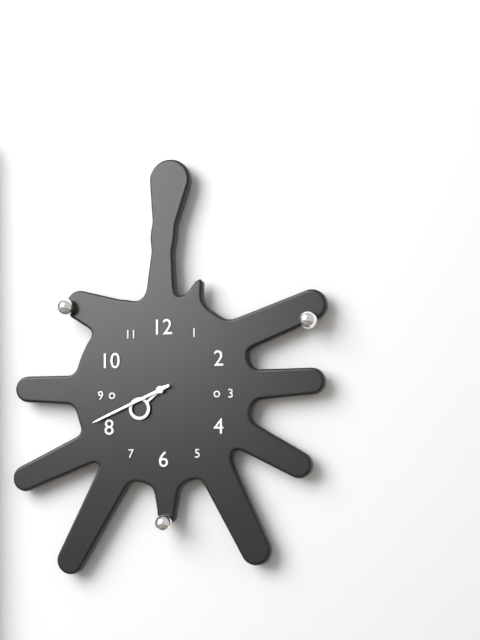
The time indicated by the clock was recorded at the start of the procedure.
7:41
